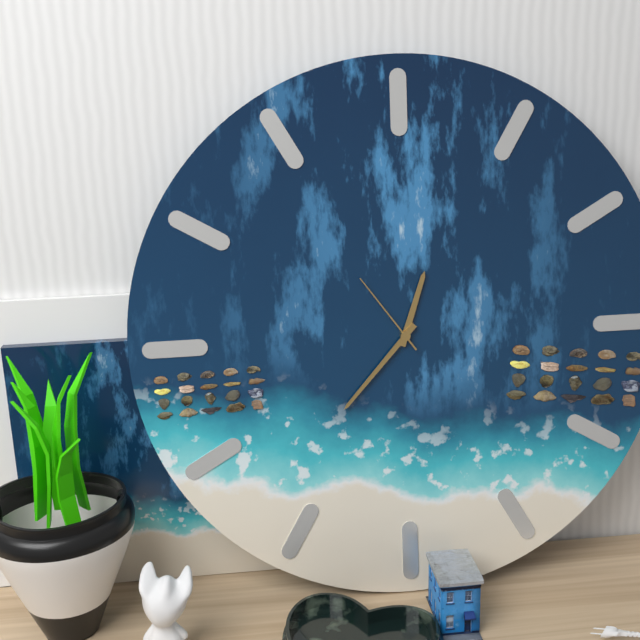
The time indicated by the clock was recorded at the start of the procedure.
12:37:54
